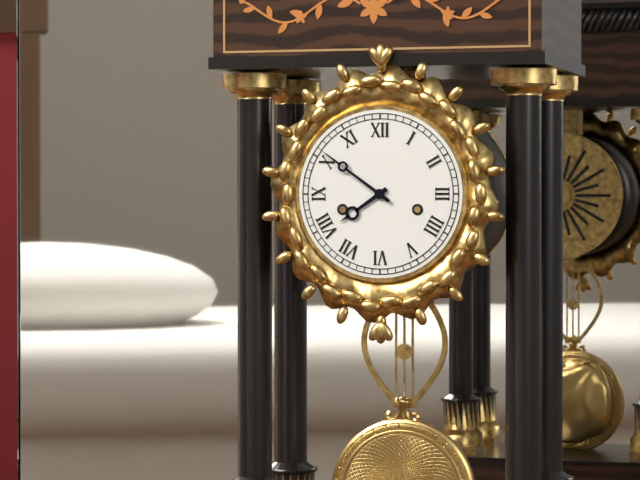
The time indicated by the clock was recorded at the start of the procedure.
7:51
